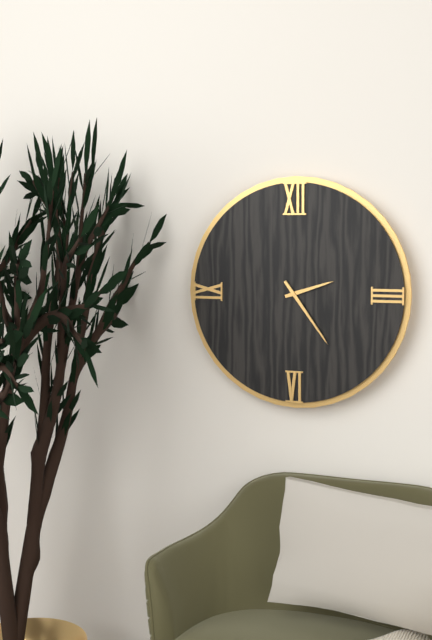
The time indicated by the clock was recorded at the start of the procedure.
2:24
